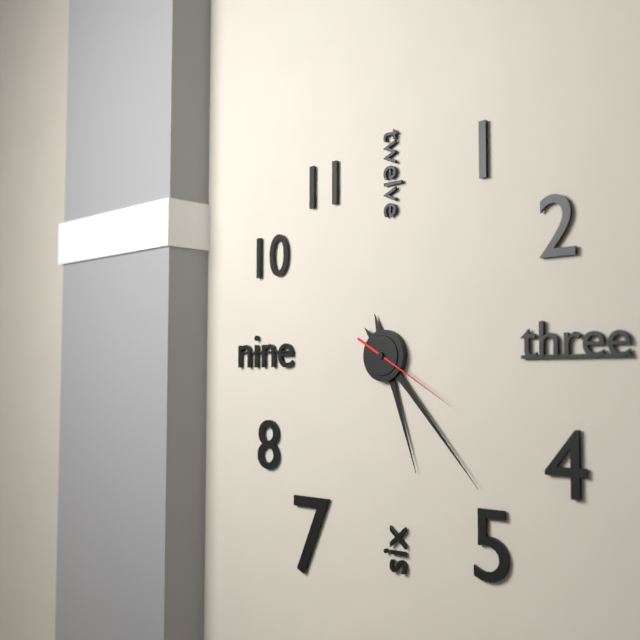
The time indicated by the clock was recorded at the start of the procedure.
5:23:20
